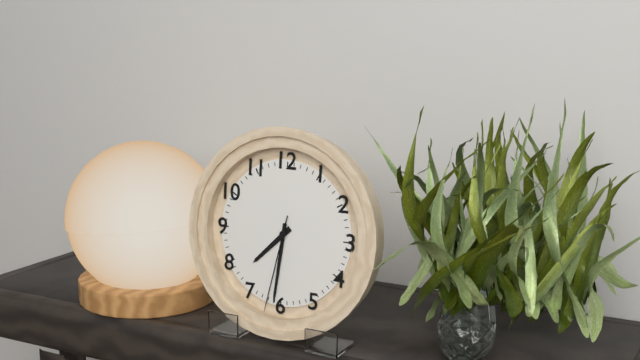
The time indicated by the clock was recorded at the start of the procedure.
7:31:32
